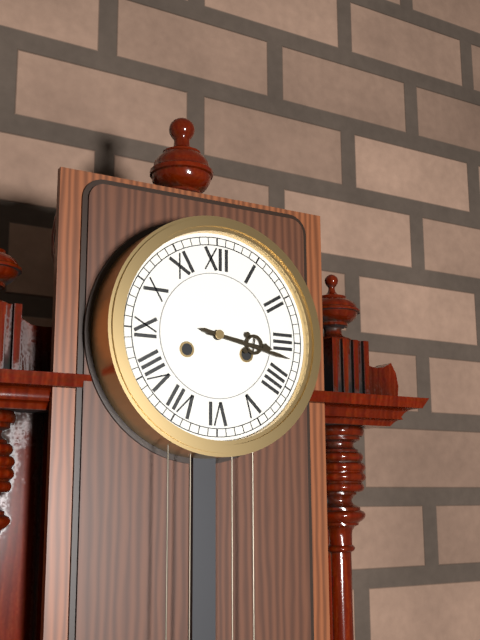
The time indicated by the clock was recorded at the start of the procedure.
3:17
